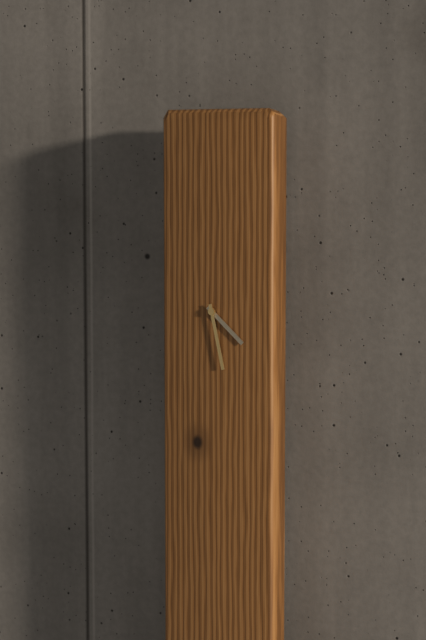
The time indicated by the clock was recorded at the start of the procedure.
4:28
